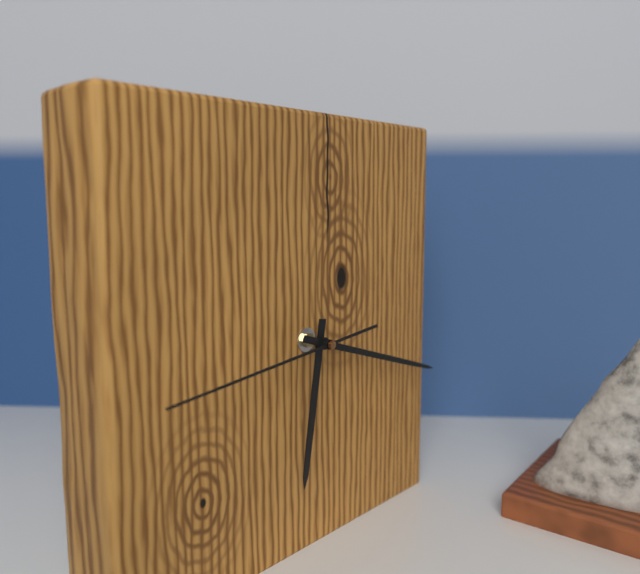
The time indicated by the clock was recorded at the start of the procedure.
6:18:44
